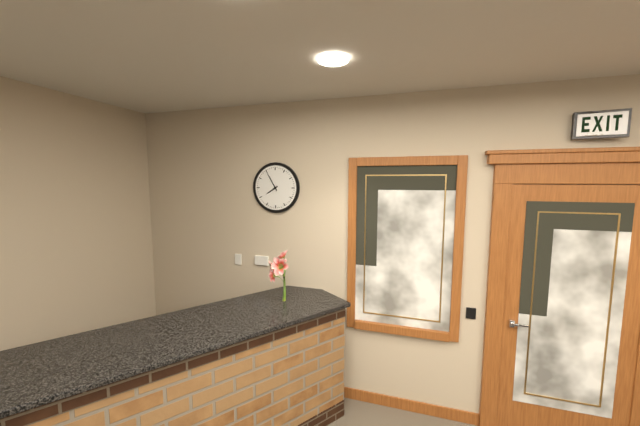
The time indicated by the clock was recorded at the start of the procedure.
7:55
